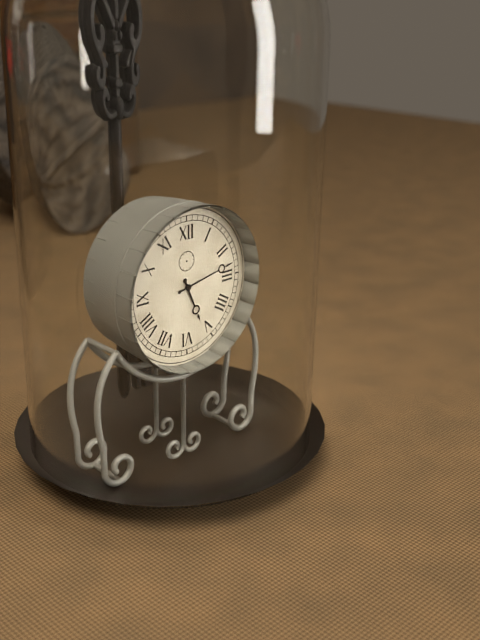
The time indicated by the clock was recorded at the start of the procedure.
5:13
